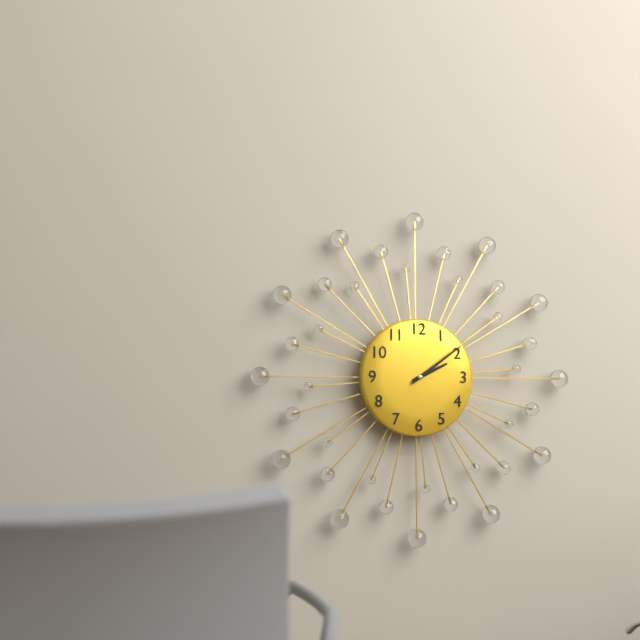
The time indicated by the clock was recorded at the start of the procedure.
2:09
